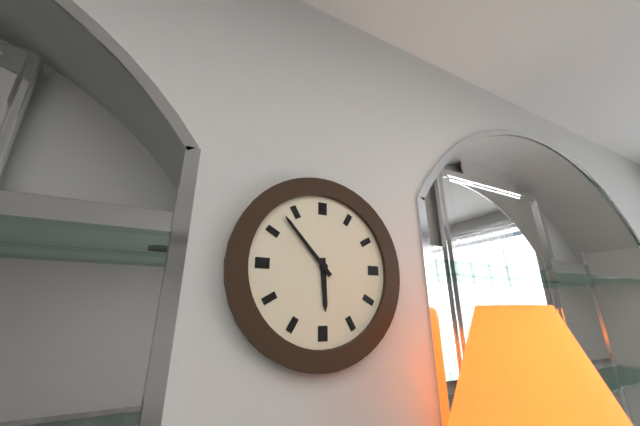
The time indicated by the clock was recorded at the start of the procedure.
5:53
